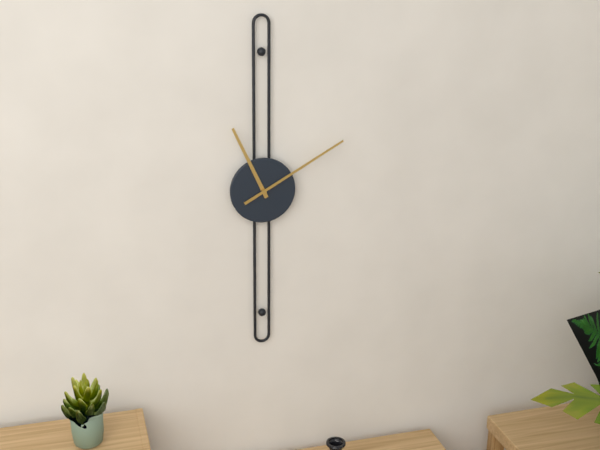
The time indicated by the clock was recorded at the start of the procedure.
11:10
